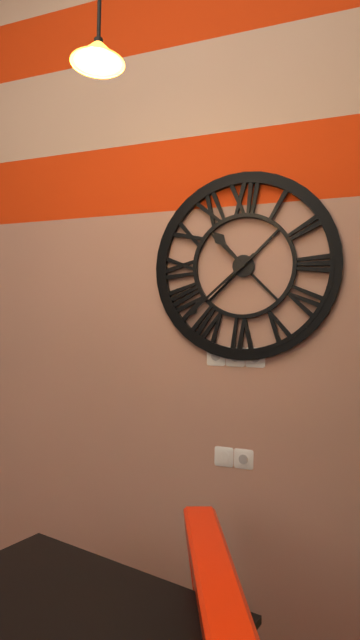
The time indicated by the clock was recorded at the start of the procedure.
10:38
